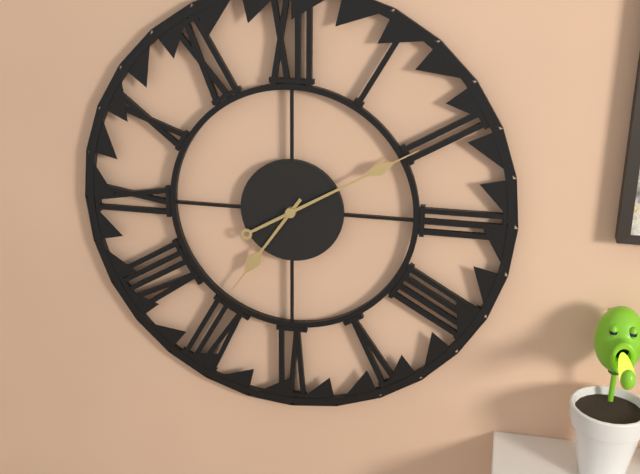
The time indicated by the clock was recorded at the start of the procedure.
7:10
